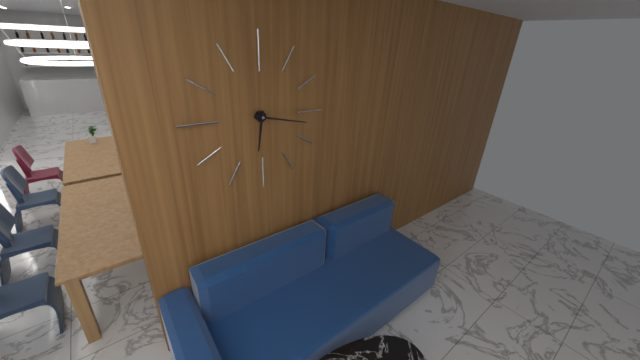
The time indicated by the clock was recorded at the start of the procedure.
6:17
